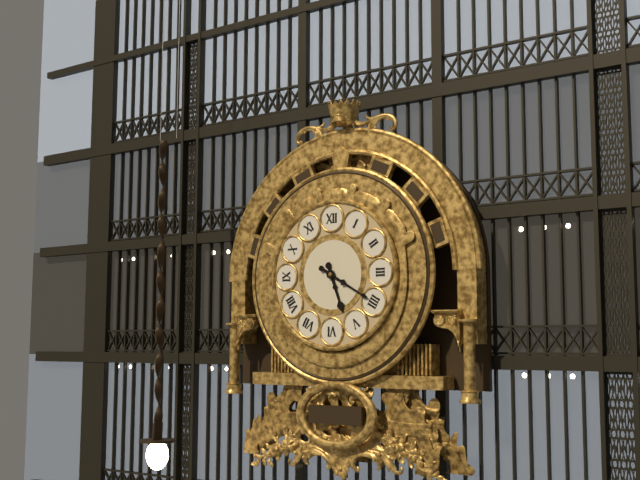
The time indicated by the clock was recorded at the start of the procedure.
5:20
